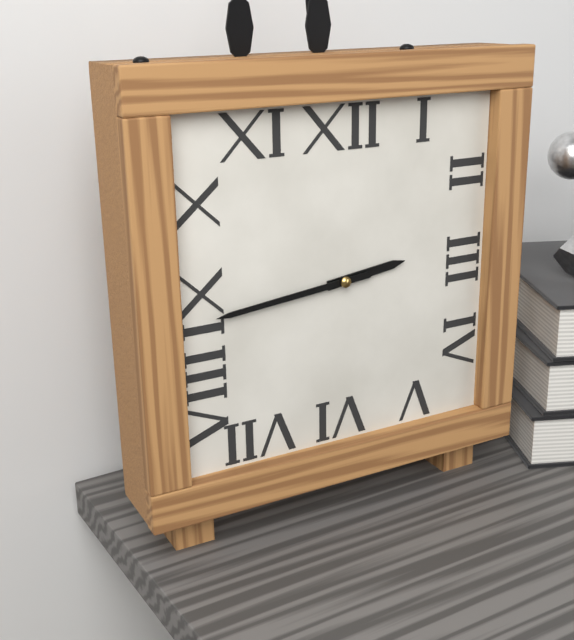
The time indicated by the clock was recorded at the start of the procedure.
2:44
